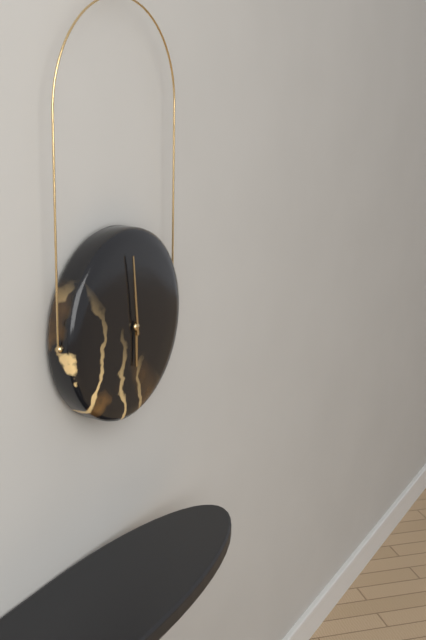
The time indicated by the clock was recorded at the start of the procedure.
5:59
